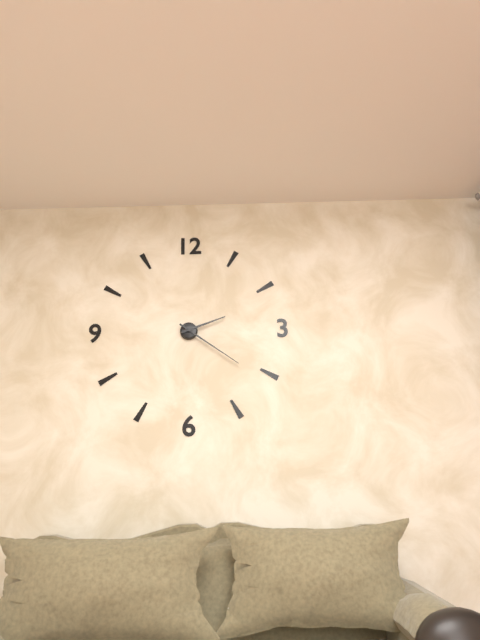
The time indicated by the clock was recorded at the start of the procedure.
2:21
